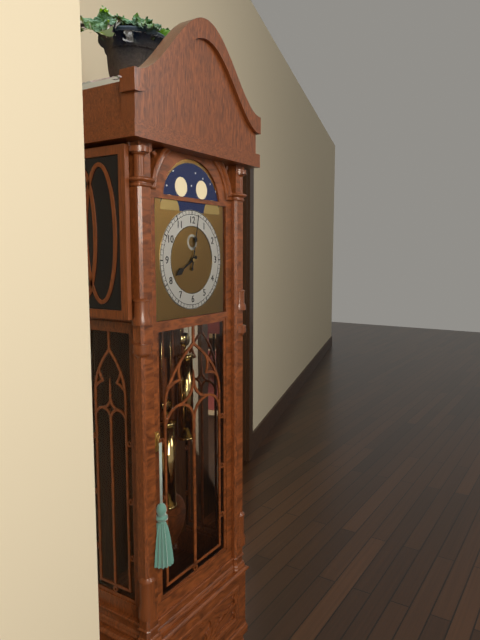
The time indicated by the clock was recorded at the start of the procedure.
8:02
